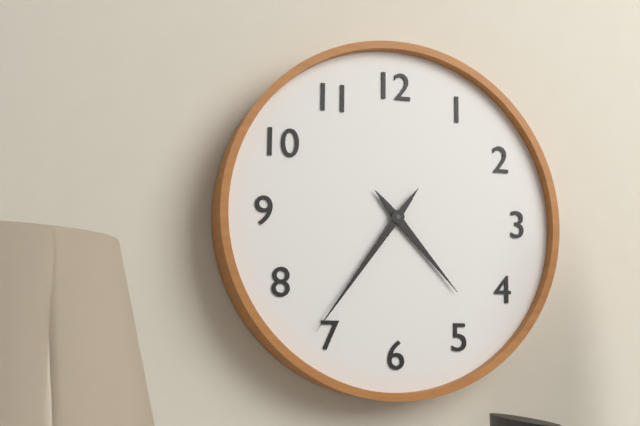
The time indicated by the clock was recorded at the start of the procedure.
4:36
